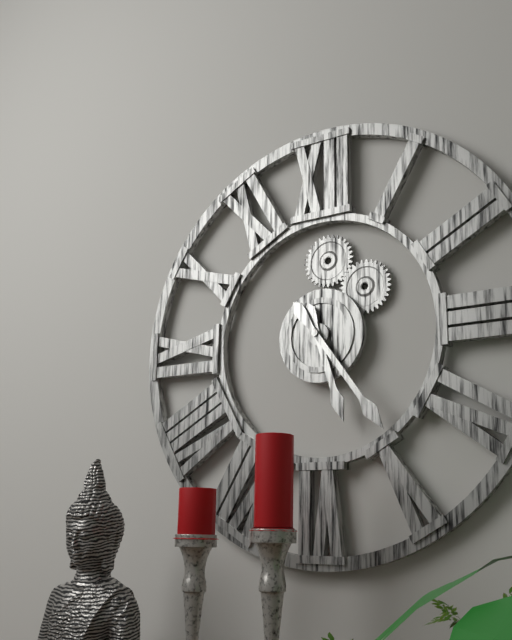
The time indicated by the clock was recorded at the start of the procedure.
5:24
